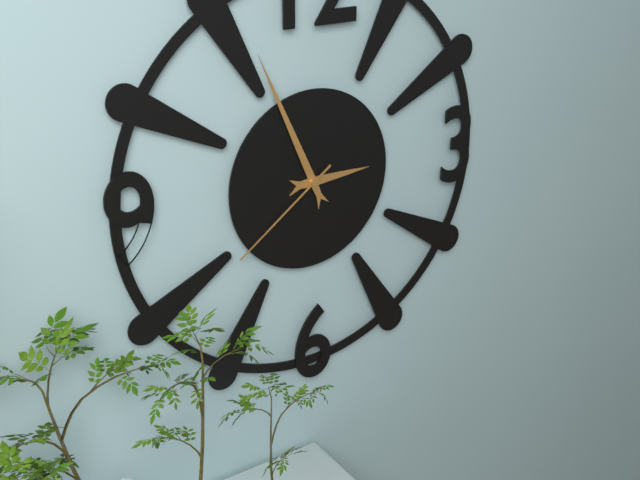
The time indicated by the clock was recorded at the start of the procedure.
2:56:39
